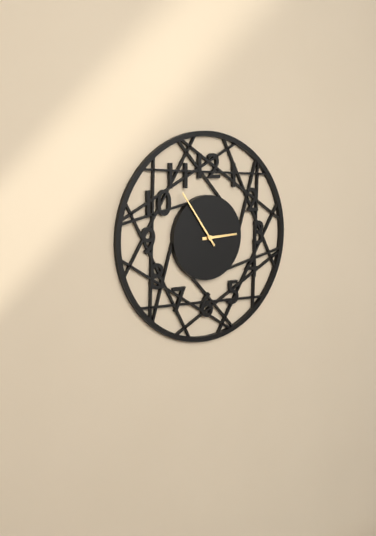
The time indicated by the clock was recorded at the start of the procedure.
2:54
